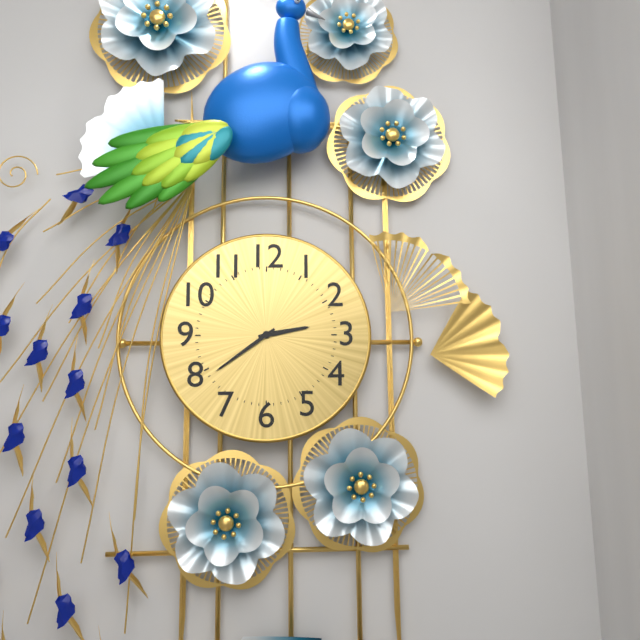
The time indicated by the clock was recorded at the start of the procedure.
2:39
